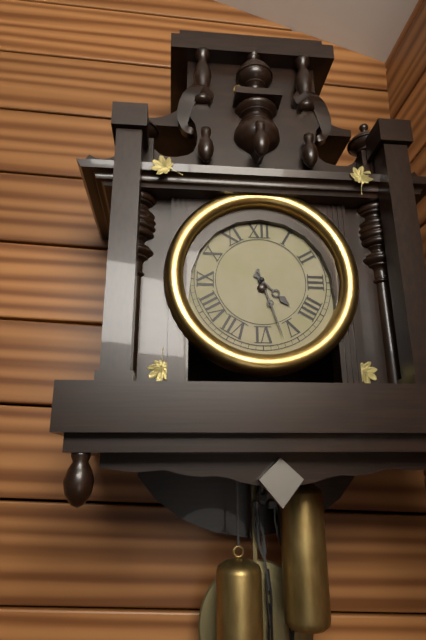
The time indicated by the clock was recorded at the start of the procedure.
4:27
